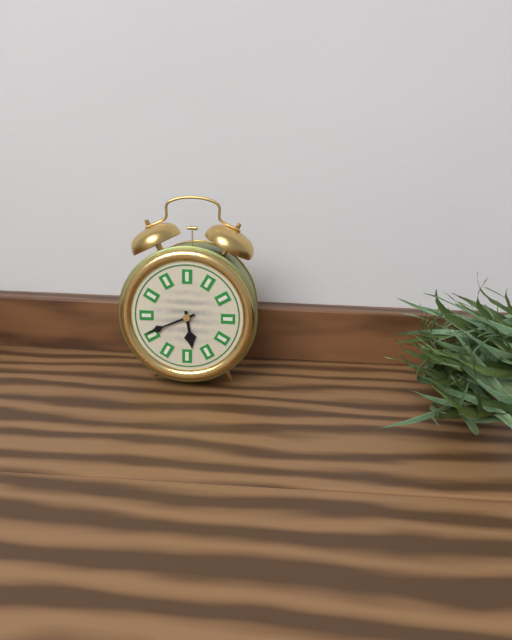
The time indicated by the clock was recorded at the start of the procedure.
5:41
